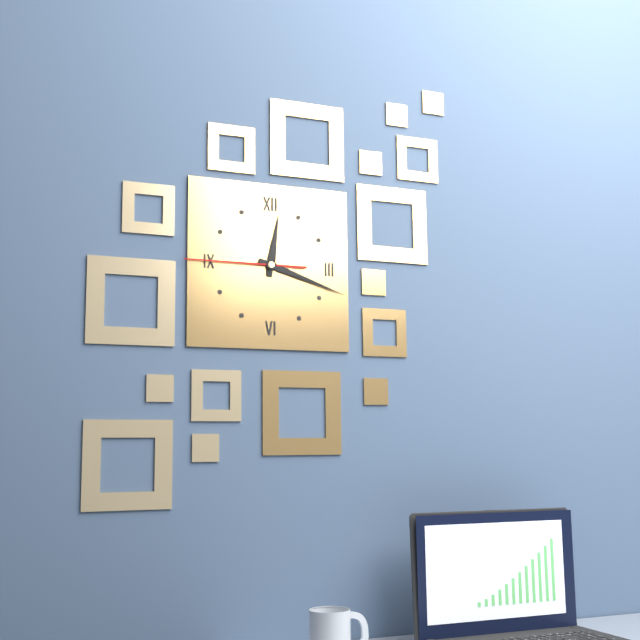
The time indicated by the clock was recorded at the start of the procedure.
12:18:45
